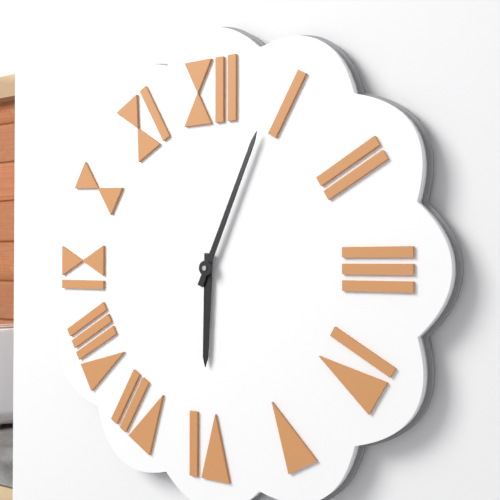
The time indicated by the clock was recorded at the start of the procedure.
6:04
